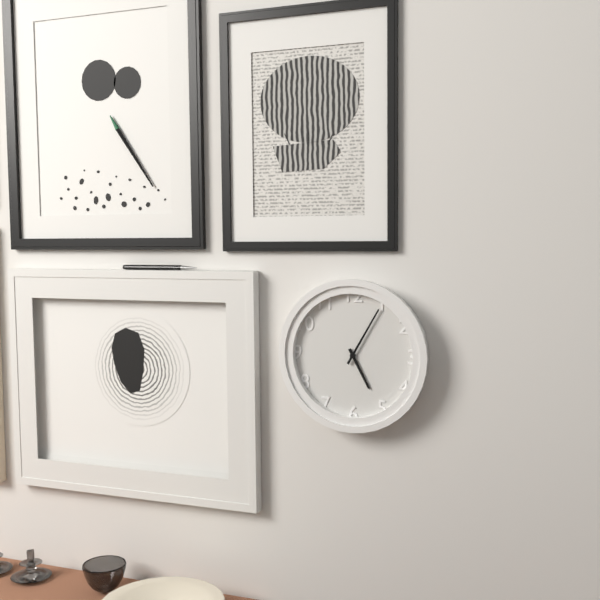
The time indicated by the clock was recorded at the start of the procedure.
5:05
